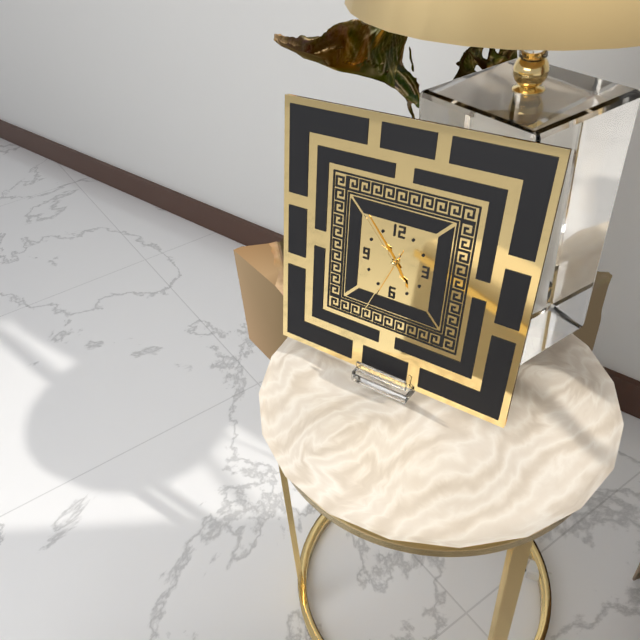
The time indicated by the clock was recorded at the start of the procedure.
4:53:34
